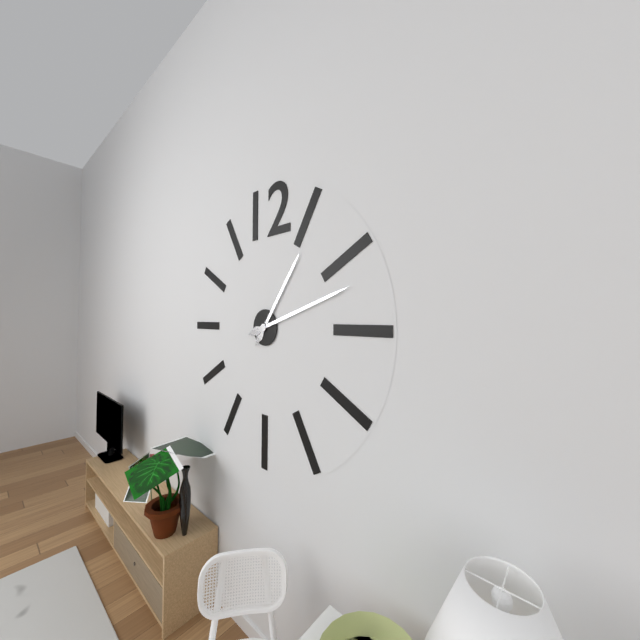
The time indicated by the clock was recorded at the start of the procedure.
1:12
